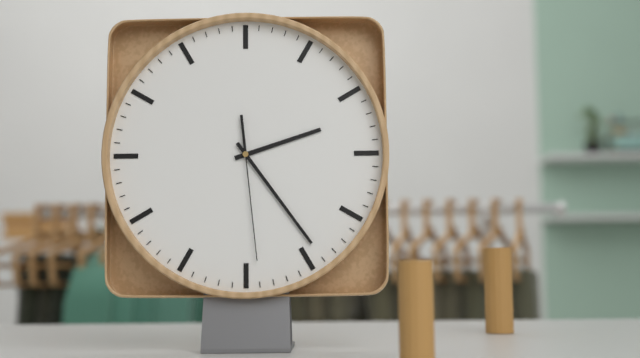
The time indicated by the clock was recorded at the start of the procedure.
2:24:29
